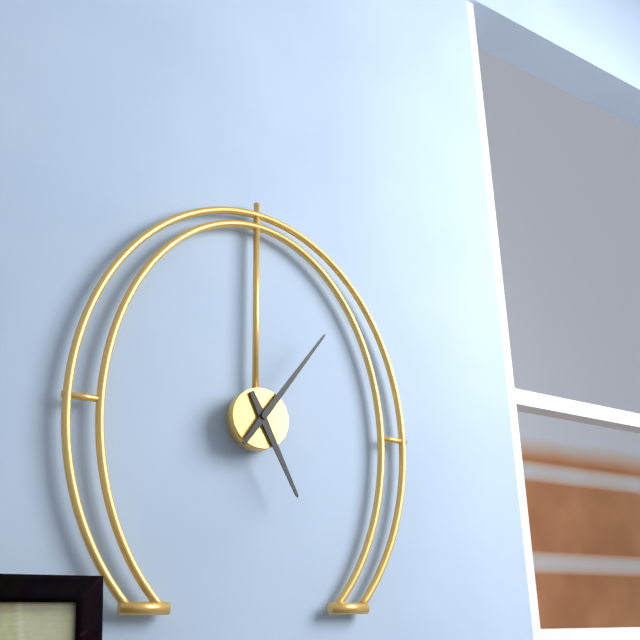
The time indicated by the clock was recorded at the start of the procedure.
5:06
